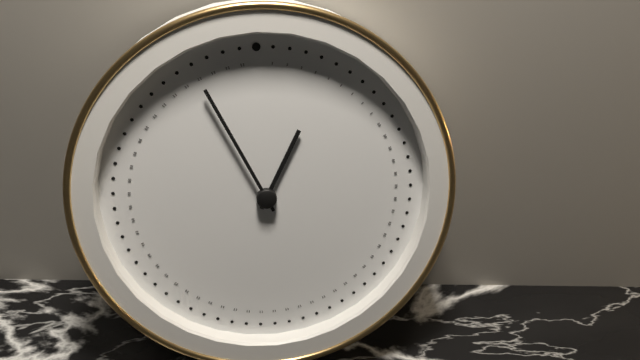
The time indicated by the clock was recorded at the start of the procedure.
12:56
